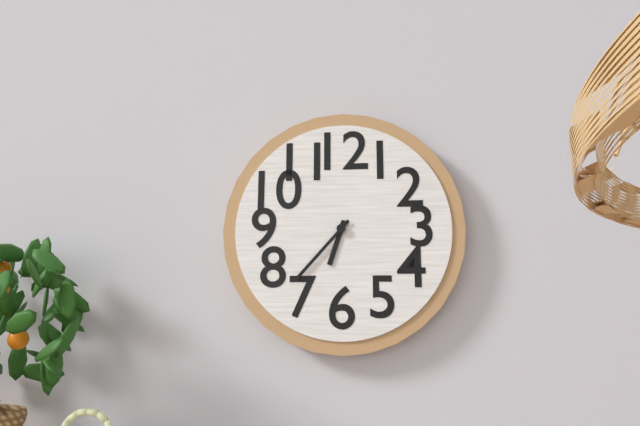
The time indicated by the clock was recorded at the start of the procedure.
6:37
